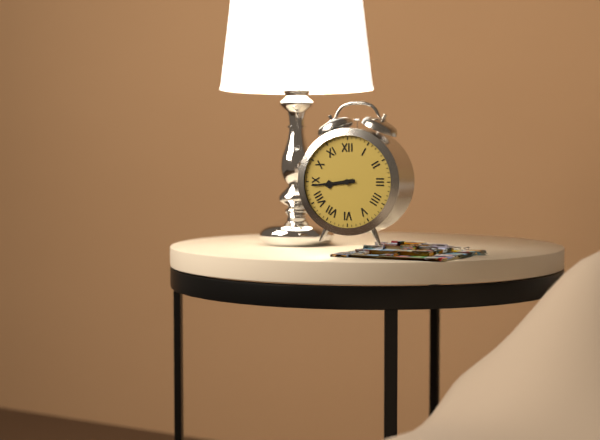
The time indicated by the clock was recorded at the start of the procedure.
8:44
